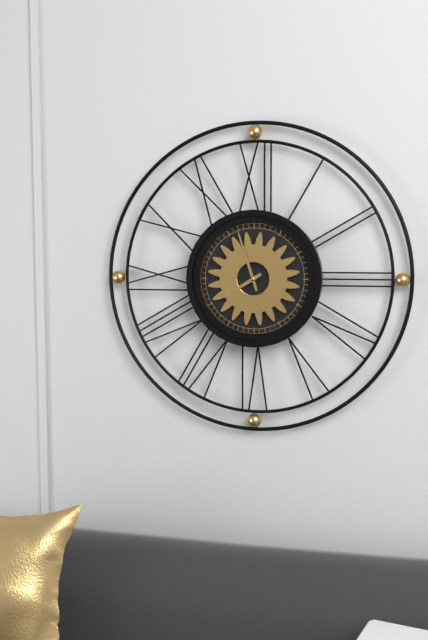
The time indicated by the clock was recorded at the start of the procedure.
7:57
